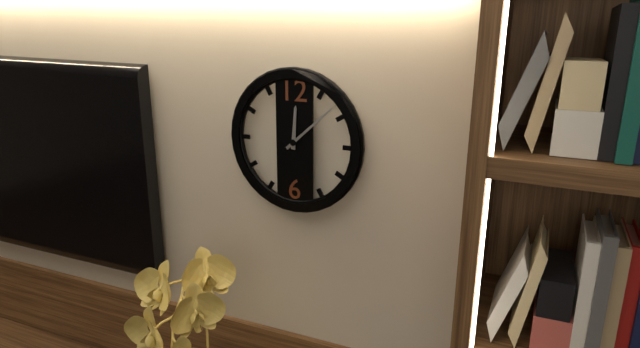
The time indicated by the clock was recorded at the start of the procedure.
12:08
